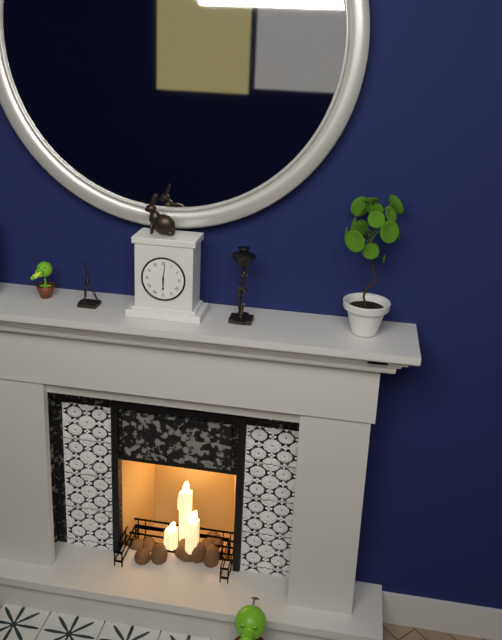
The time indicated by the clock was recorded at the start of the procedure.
6:01
